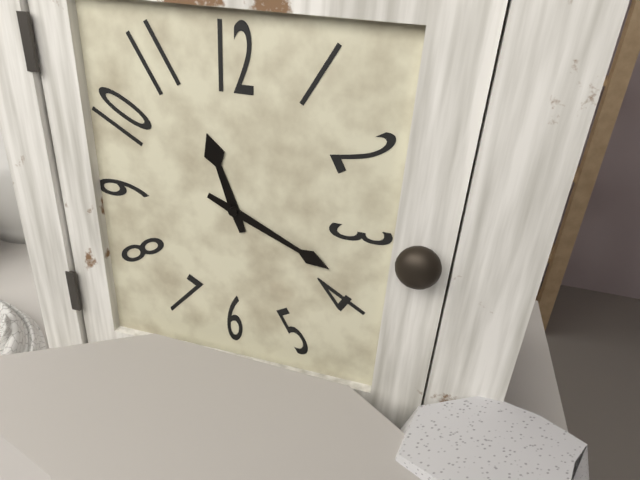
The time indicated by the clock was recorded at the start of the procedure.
11:19
